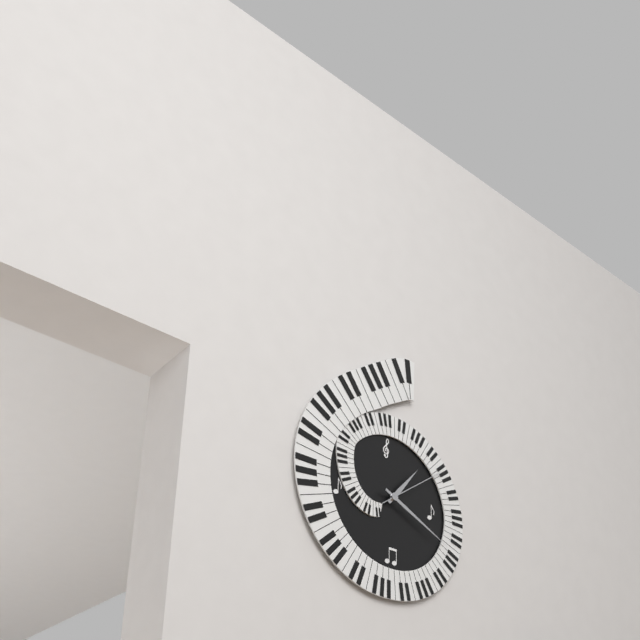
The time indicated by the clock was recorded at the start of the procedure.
1:19:09
